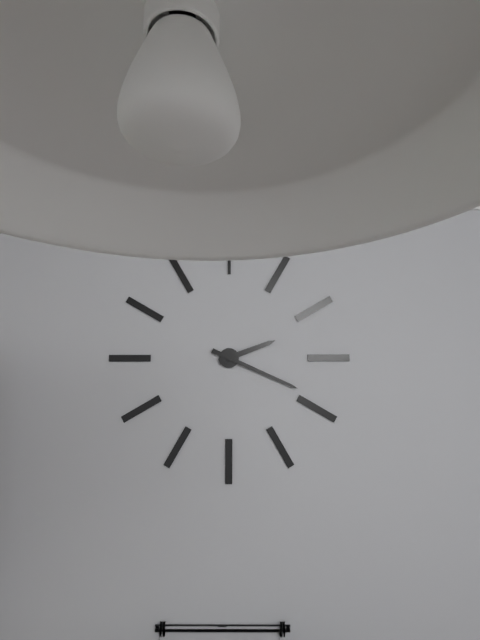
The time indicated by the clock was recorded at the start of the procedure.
2:19
